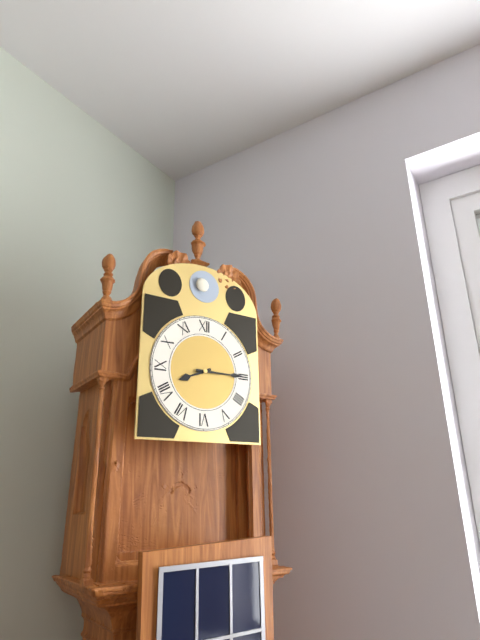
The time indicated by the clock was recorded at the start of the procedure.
8:15
